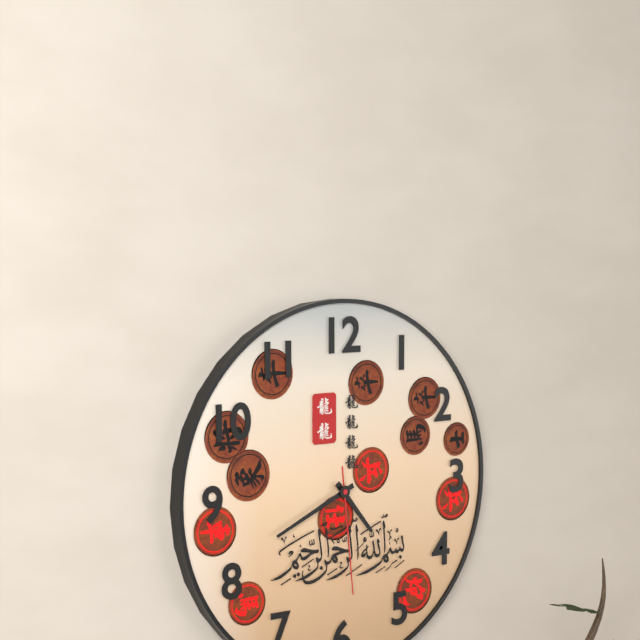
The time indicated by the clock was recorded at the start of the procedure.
4:41:29
